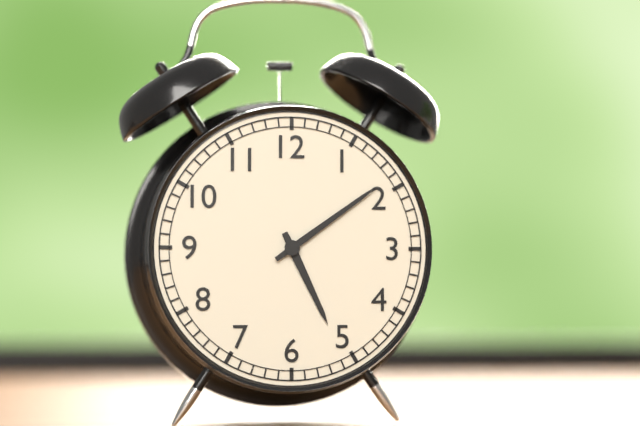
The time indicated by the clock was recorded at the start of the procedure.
5:09
